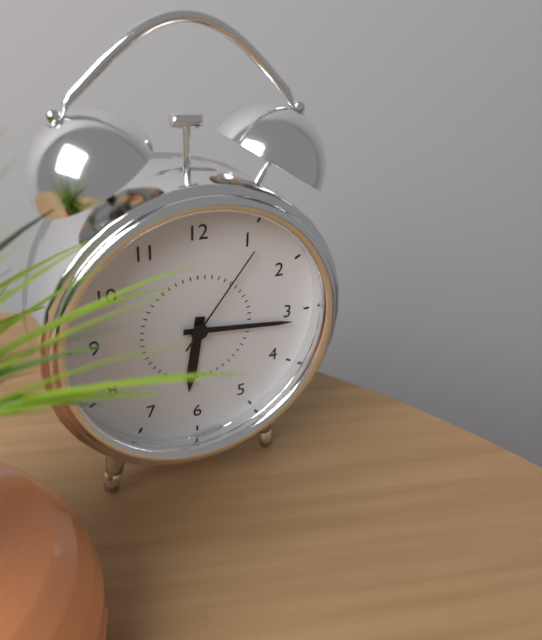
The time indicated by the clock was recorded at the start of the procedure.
6:16:06
